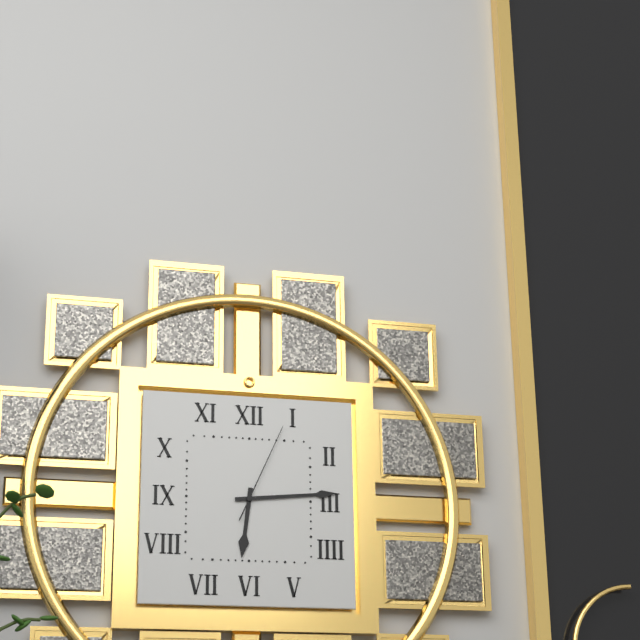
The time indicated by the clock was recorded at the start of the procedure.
6:14:04
